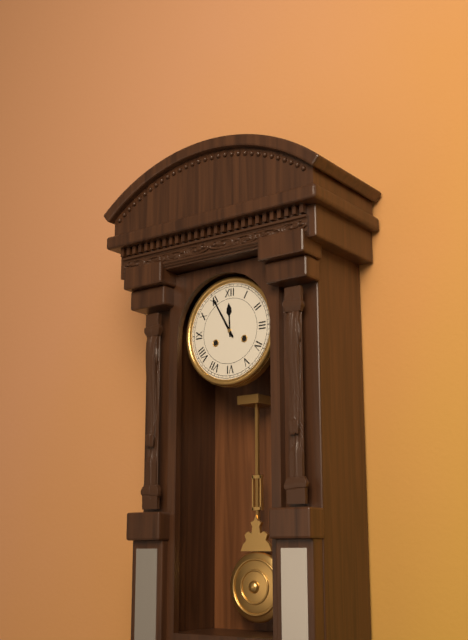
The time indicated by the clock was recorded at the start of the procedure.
11:55
